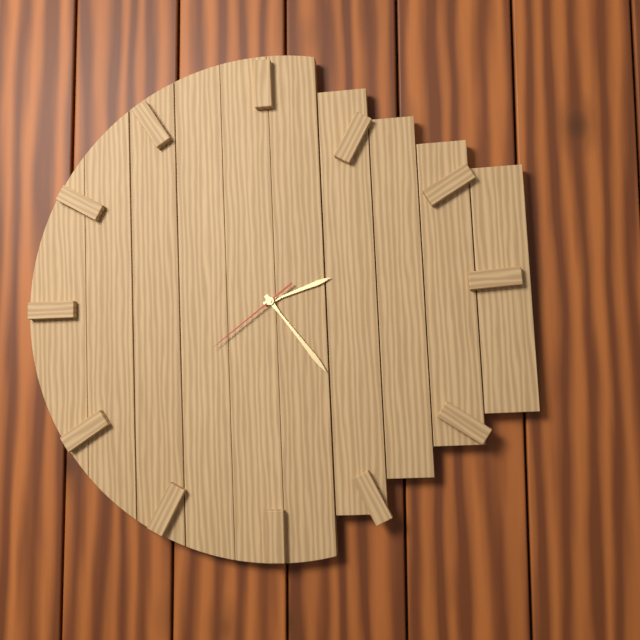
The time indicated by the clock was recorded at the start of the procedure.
2:24:39
